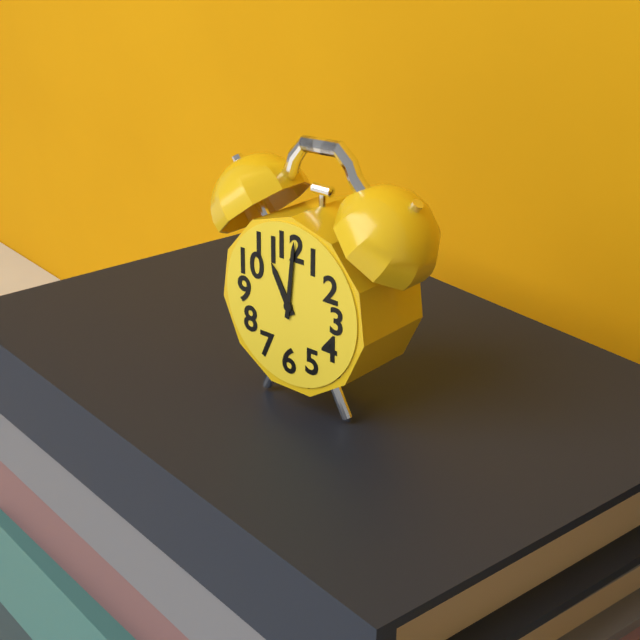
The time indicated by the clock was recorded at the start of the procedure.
11:01
